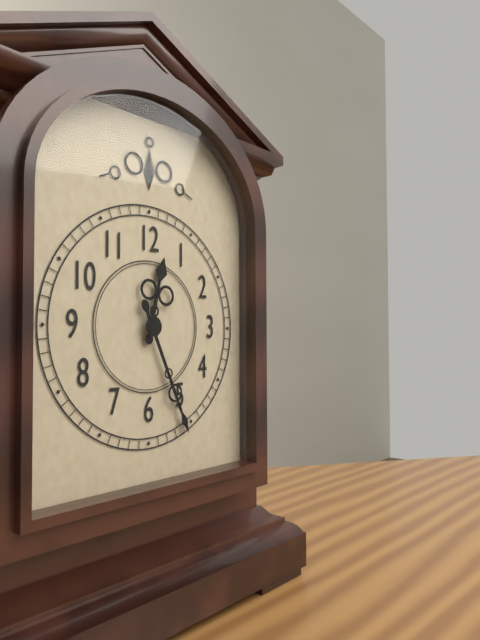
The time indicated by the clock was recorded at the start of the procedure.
12:26
